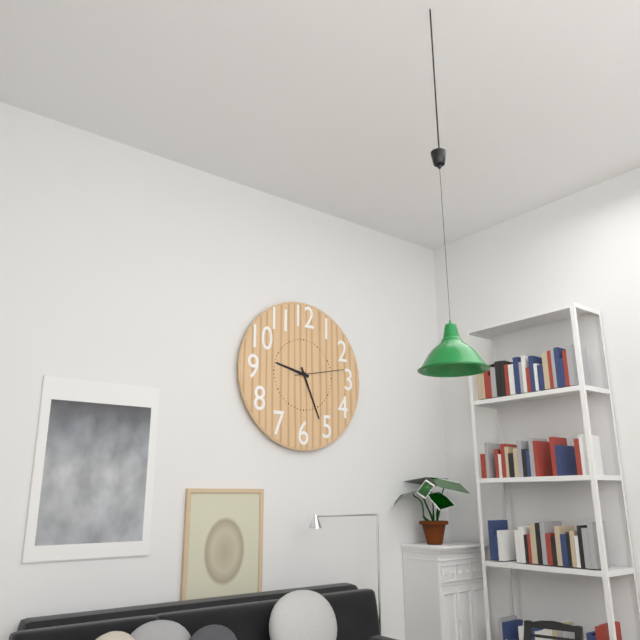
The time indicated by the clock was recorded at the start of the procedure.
9:26:13
